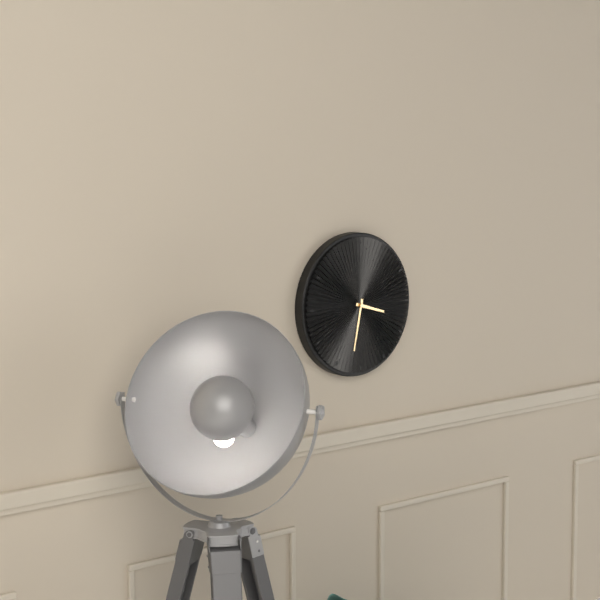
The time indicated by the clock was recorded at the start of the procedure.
3:32
